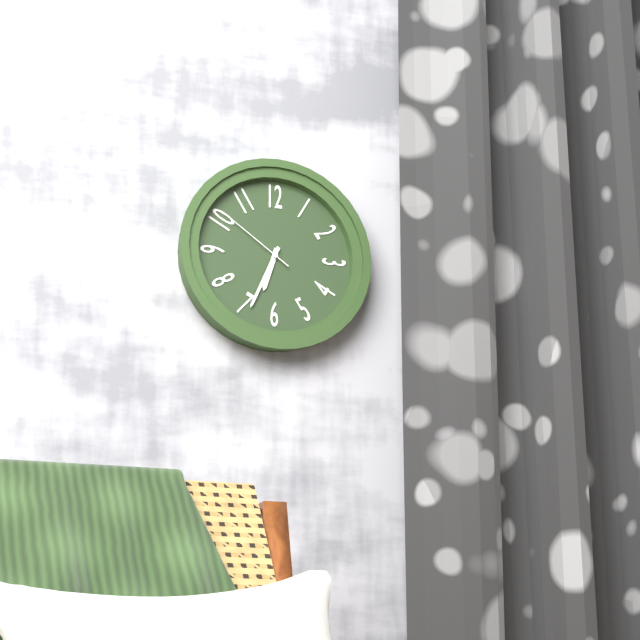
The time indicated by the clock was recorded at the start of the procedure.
6:34:51
